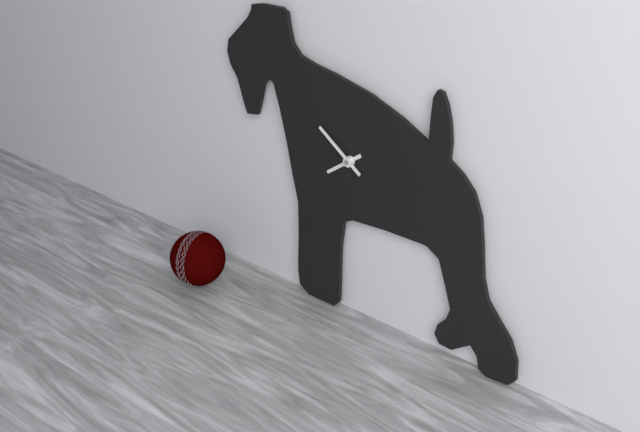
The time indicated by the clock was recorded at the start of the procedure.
7:51
